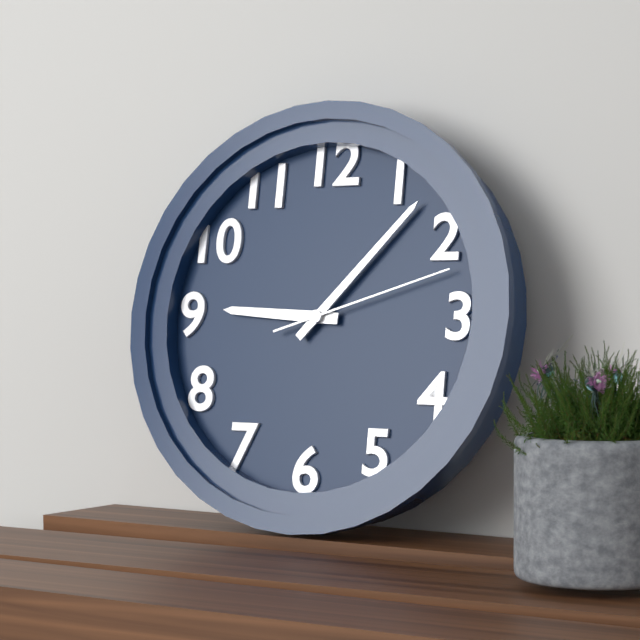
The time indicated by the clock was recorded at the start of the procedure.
9:07:12
